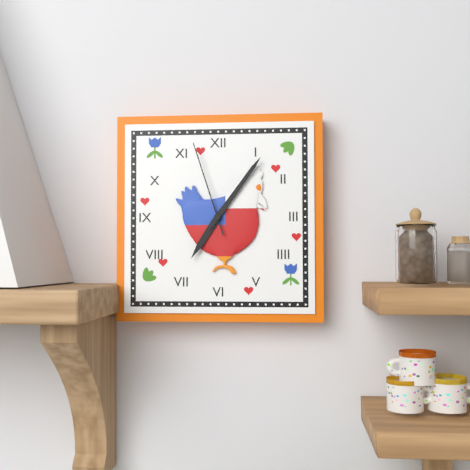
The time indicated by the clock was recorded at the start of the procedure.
7:06:57
